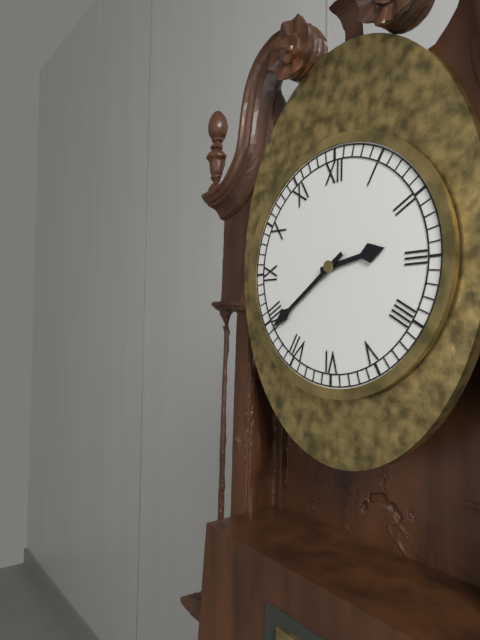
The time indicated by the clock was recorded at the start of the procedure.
2:39
